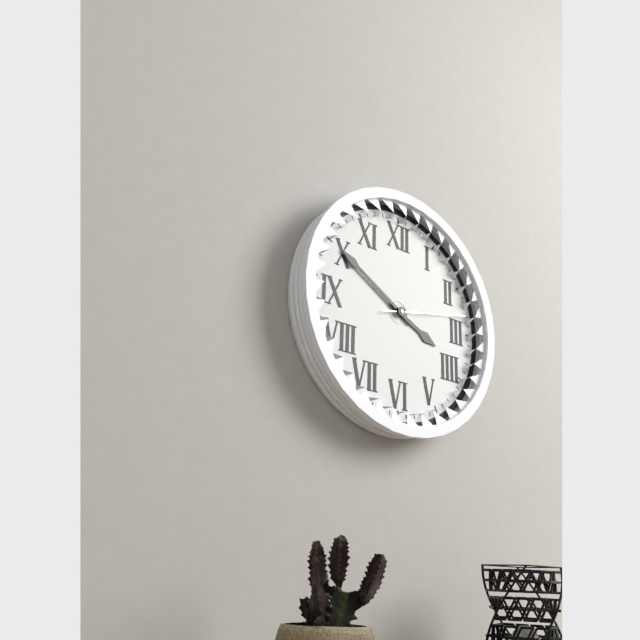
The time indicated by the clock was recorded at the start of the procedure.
3:50:13
